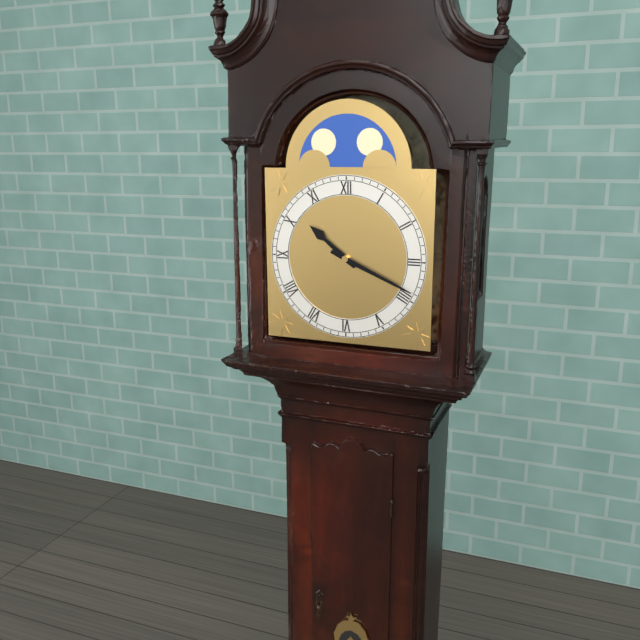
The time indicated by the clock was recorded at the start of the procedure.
10:19
